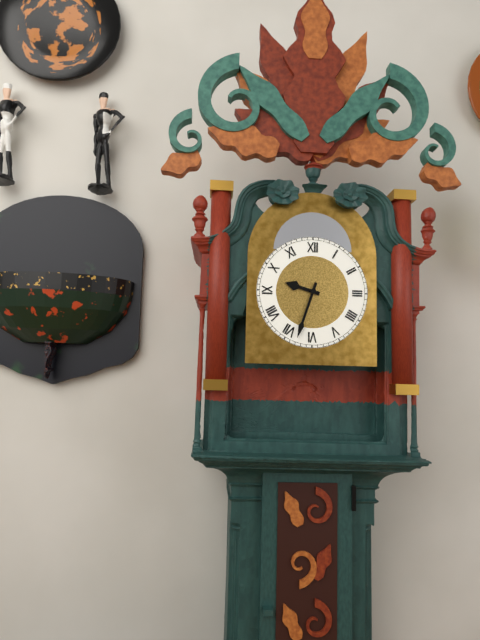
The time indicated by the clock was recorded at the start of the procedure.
9:33
